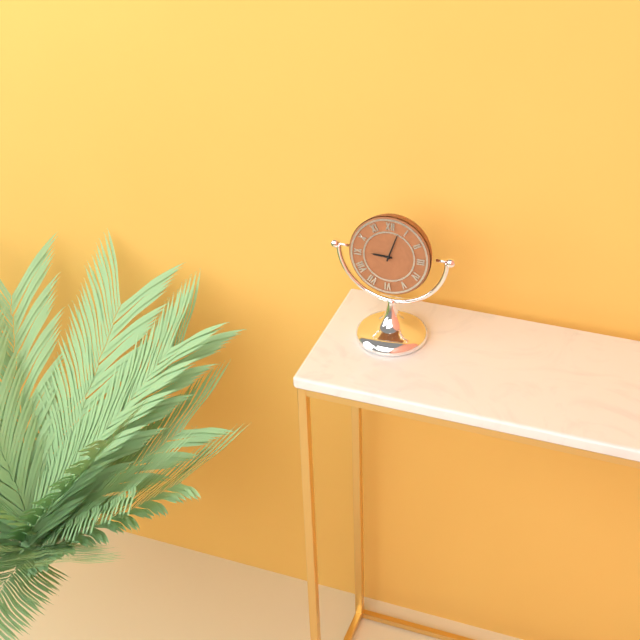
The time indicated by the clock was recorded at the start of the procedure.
9:03
